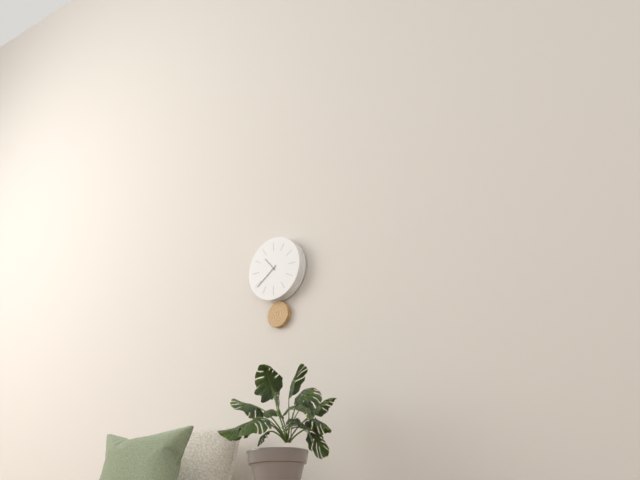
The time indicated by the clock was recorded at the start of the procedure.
10:39
